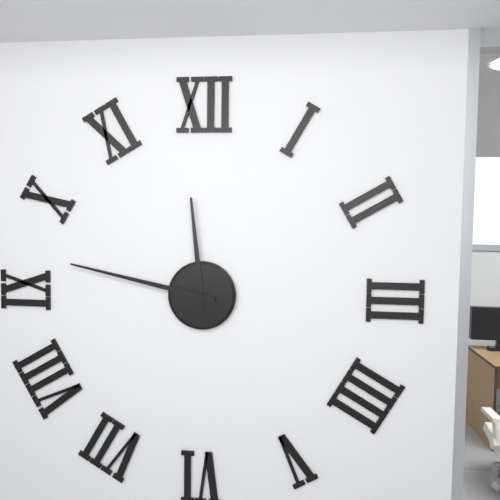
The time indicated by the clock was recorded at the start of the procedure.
11:47
